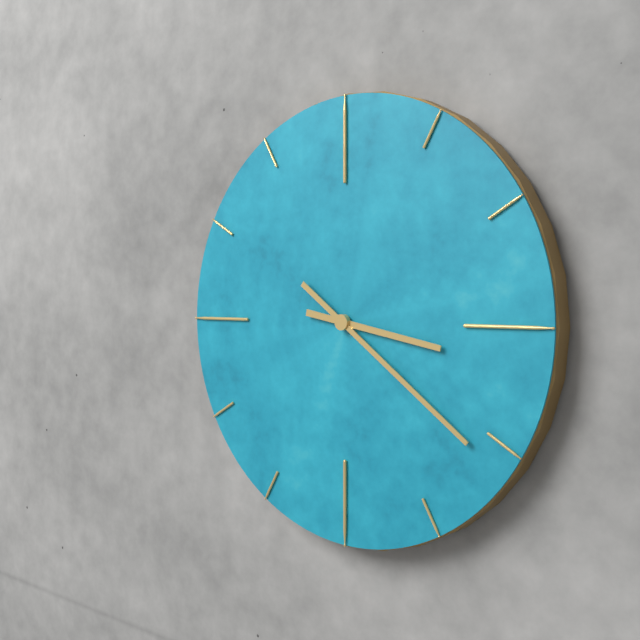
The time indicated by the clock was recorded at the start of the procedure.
3:21
